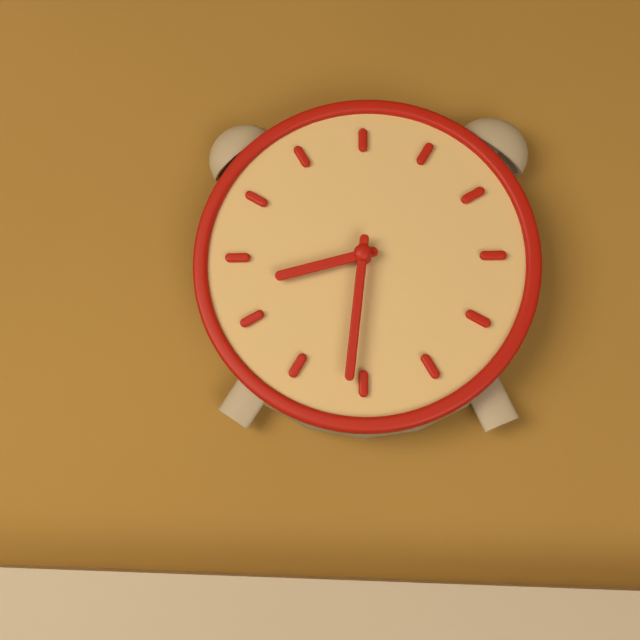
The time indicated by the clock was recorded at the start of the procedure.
8:31
